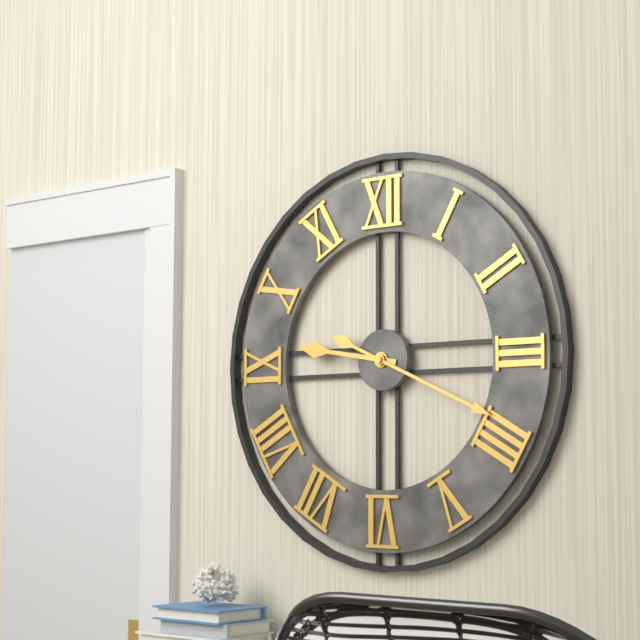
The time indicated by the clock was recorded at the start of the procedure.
9:19
